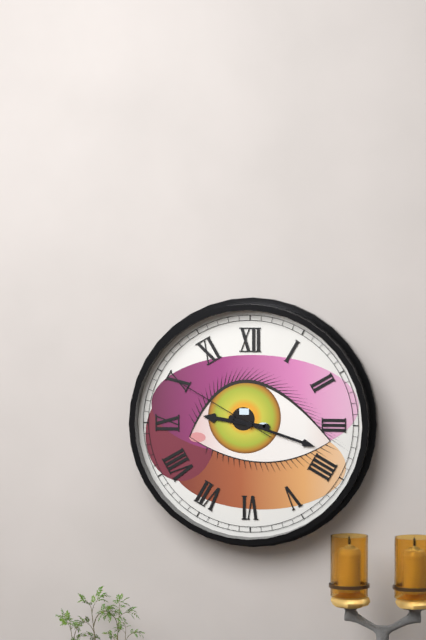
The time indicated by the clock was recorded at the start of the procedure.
9:18:50
